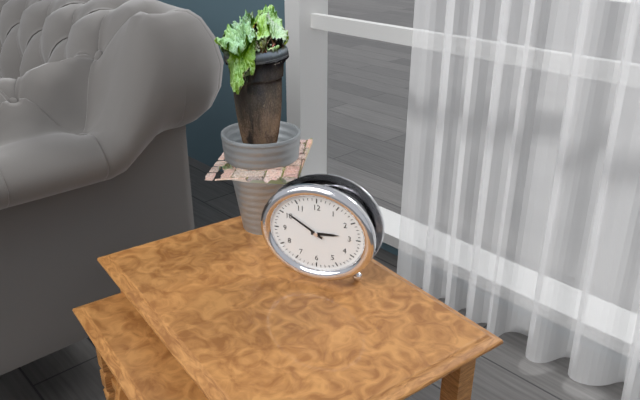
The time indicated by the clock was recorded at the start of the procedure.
2:50
